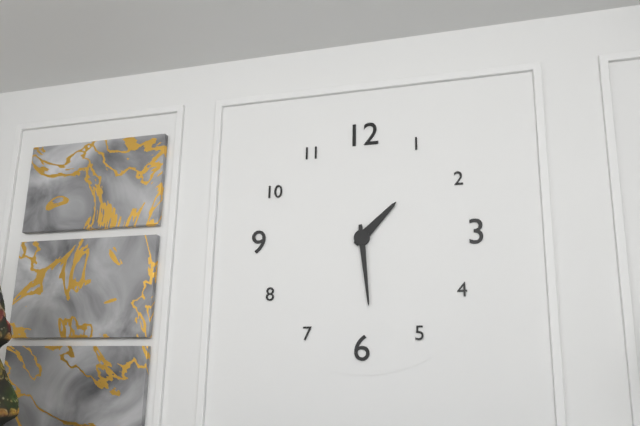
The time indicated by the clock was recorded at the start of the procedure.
1:29
